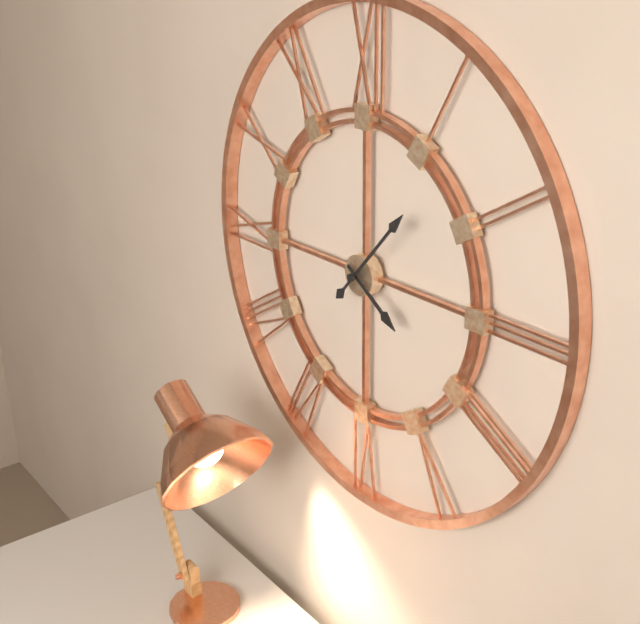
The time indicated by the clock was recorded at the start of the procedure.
4:07
